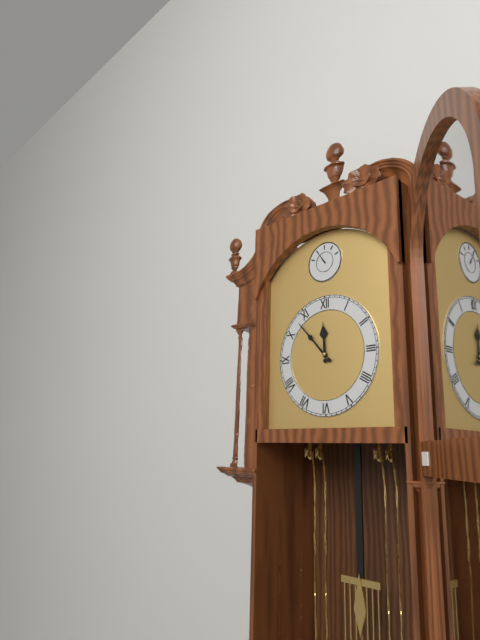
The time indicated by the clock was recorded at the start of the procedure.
11:53
